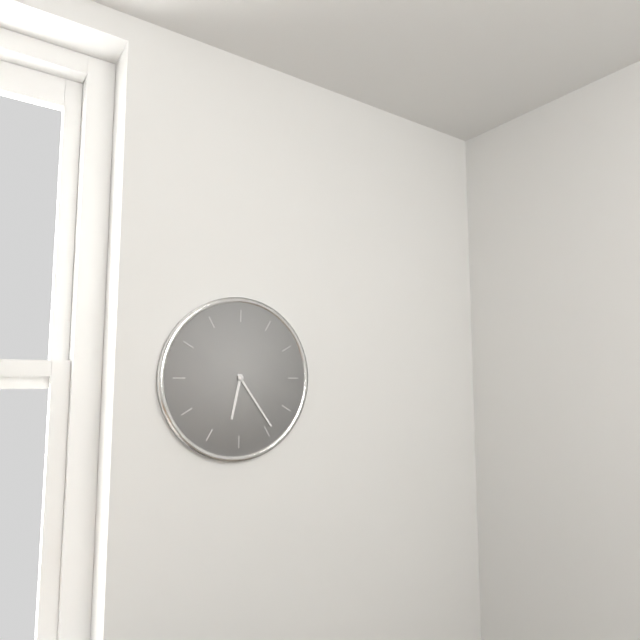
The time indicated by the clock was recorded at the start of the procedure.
6:24
